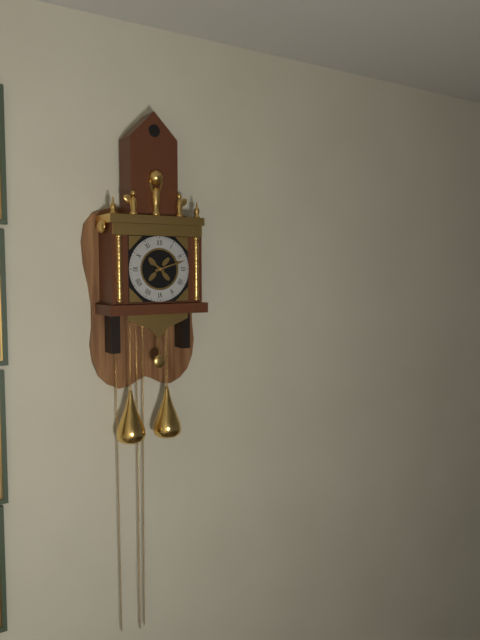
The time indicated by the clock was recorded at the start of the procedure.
10:12
